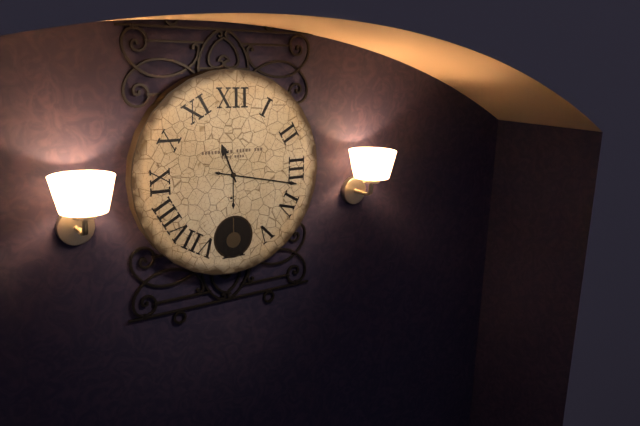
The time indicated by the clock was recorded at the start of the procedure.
11:17
